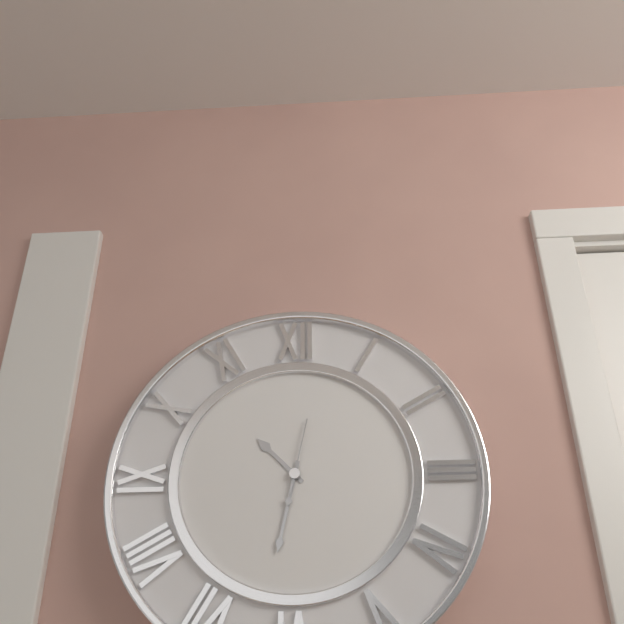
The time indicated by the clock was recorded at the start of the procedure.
10:32:02
